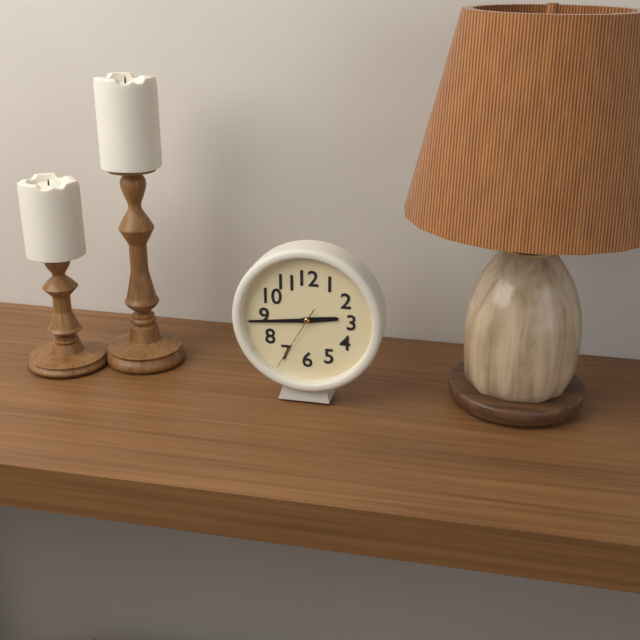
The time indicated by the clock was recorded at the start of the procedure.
2:44:35
